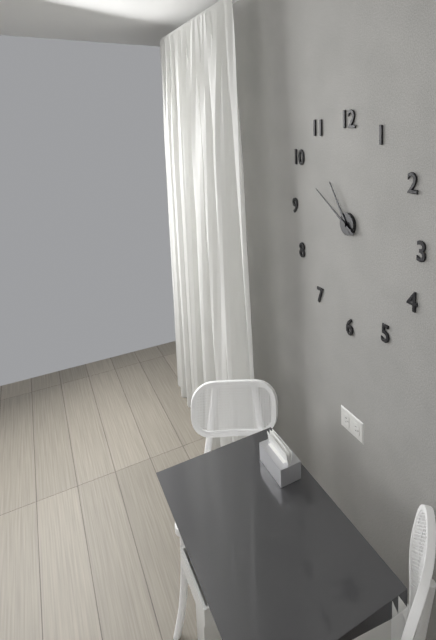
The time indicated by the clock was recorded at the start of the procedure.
10:50
